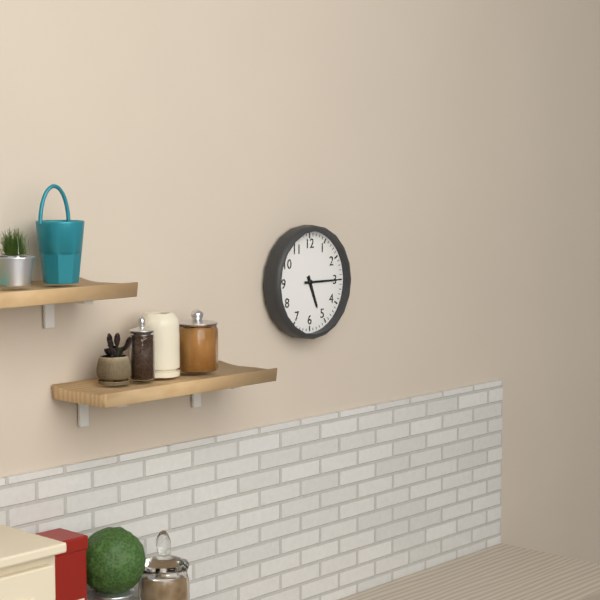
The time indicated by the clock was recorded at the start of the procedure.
5:15
